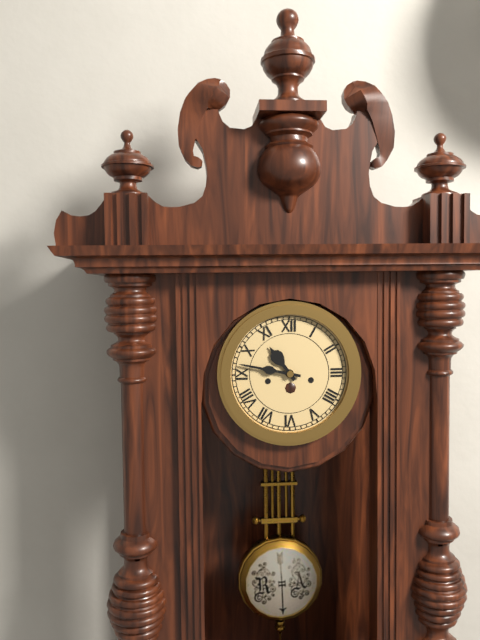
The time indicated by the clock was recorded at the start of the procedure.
10:47
